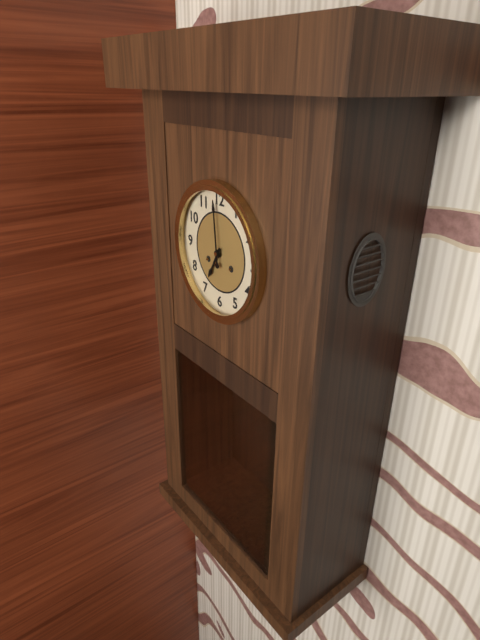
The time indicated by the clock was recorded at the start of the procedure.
6:59
